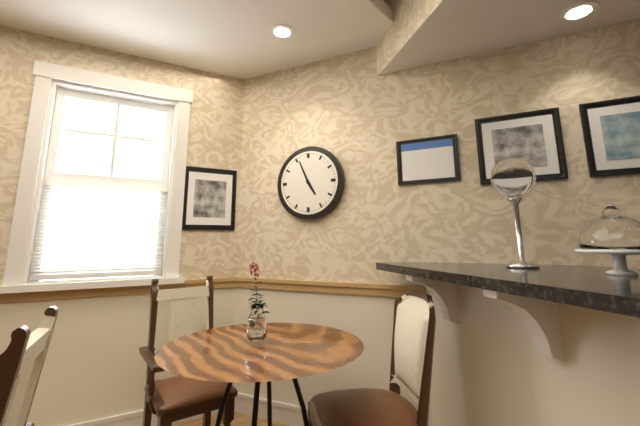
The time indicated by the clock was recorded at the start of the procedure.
4:56
